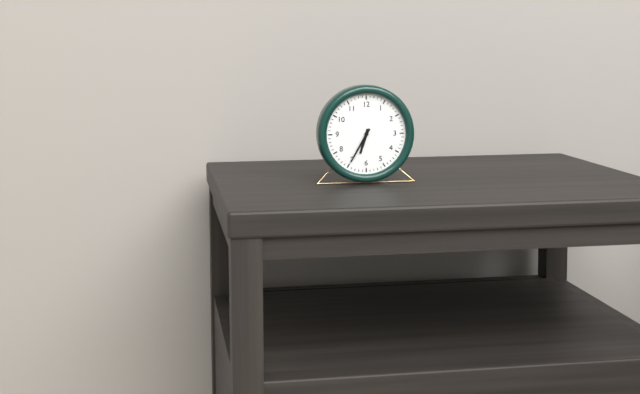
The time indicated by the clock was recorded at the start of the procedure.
6:35
